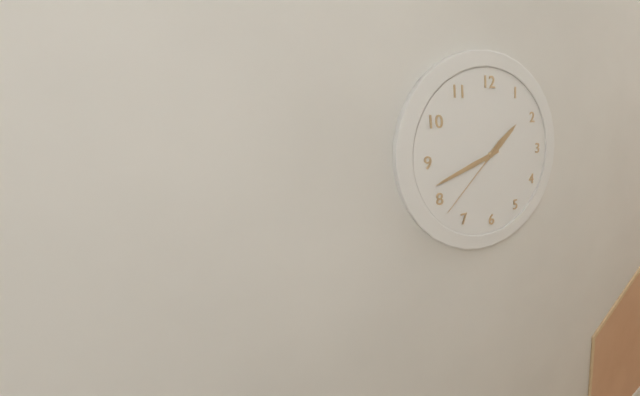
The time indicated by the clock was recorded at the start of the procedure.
1:42:38
